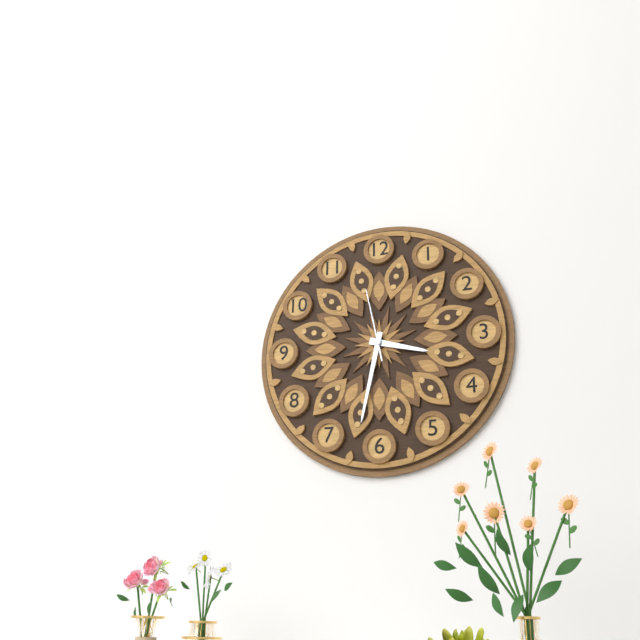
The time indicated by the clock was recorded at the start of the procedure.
3:32:58
